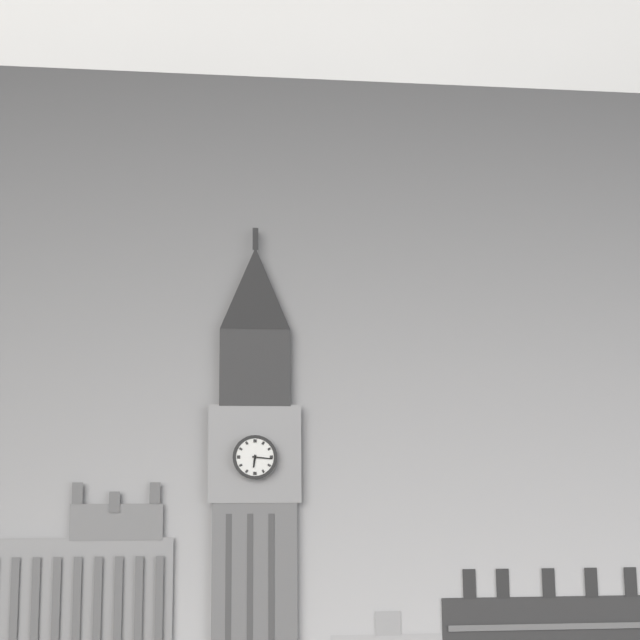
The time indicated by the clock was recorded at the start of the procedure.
6:16
